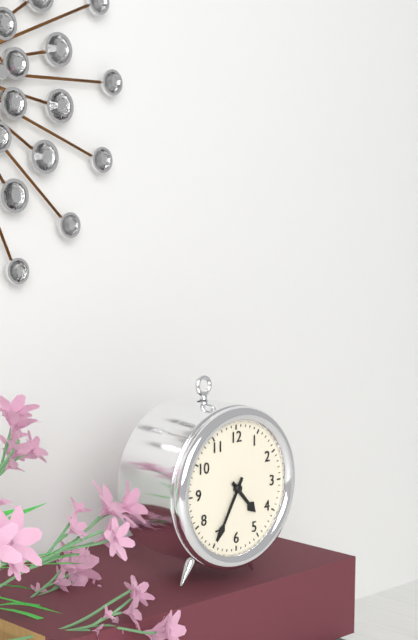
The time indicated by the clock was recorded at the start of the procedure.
4:35
